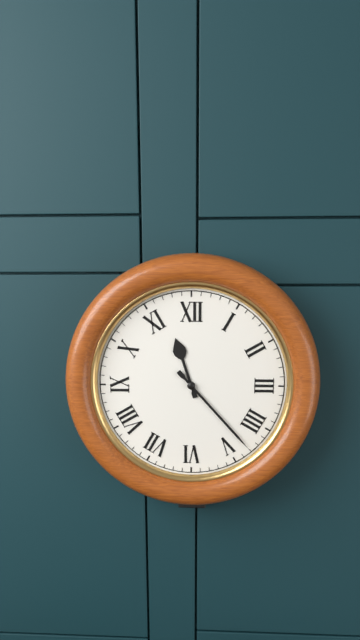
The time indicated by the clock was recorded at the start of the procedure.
11:23
